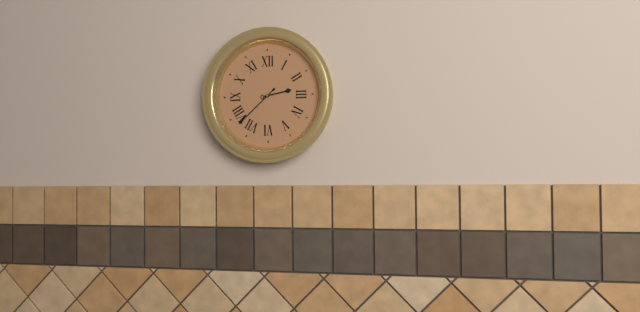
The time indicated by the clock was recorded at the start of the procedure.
2:38
